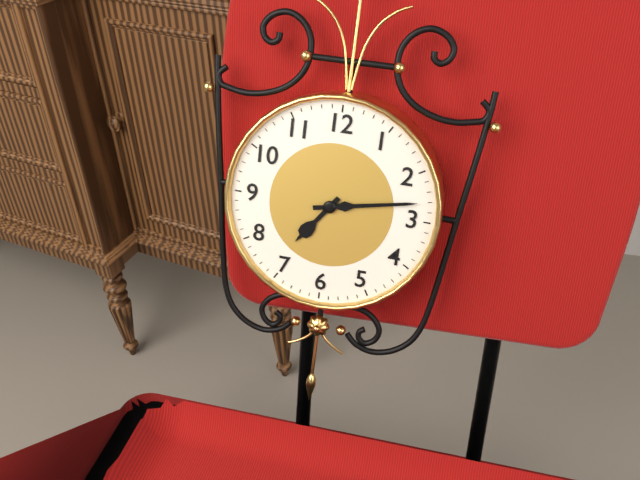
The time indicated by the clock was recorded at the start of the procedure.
7:13
